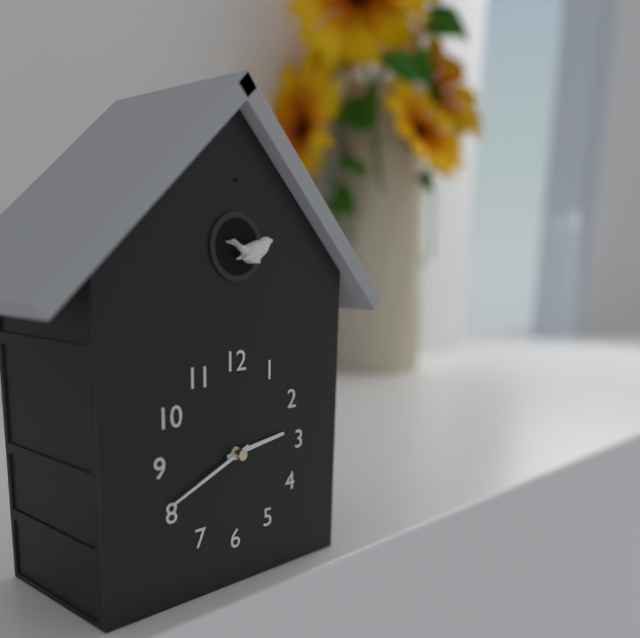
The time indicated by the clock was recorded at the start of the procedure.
2:41
